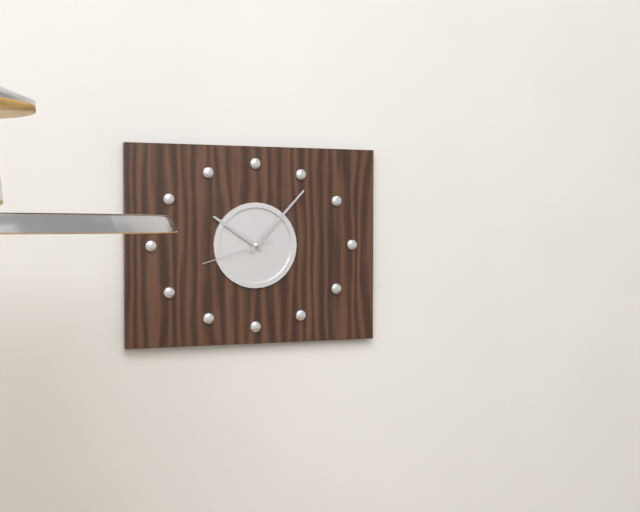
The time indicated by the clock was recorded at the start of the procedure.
10:07:42
